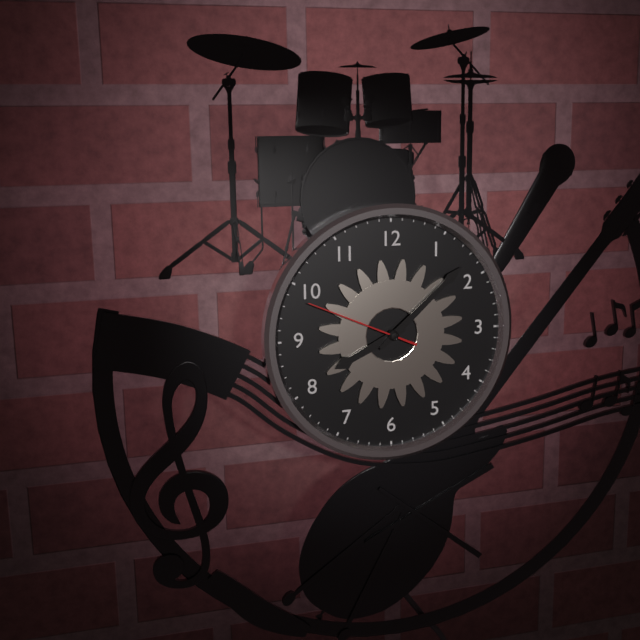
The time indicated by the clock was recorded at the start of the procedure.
8:08:49
